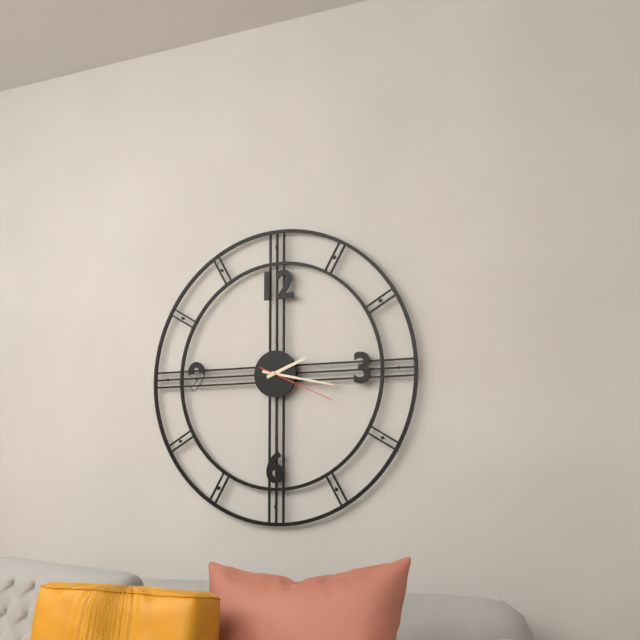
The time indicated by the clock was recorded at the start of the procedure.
2:17:19
